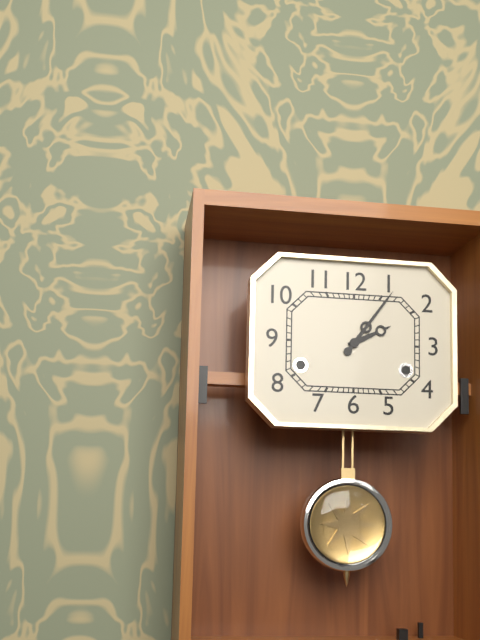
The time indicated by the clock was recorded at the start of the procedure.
2:06
